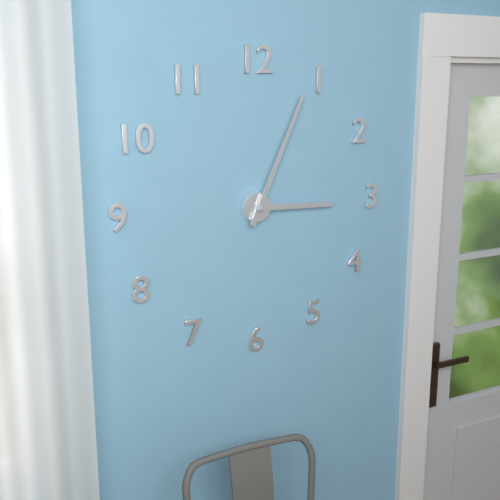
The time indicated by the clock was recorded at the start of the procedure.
3:04
